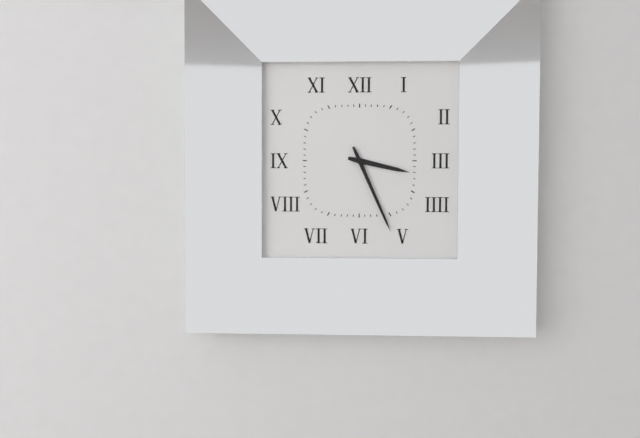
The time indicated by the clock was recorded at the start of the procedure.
3:26
